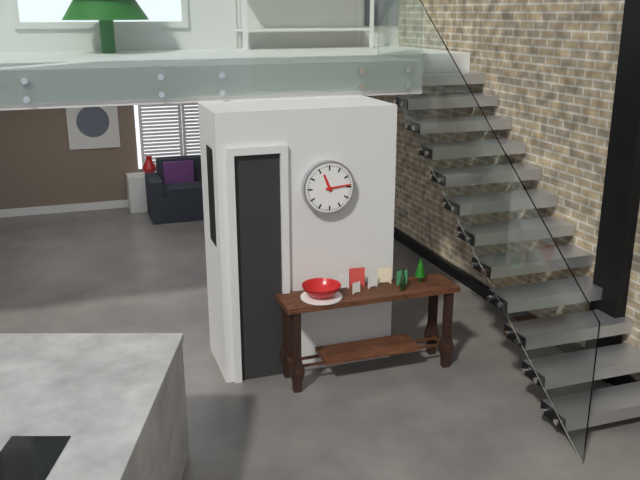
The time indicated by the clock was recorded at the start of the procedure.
11:14
